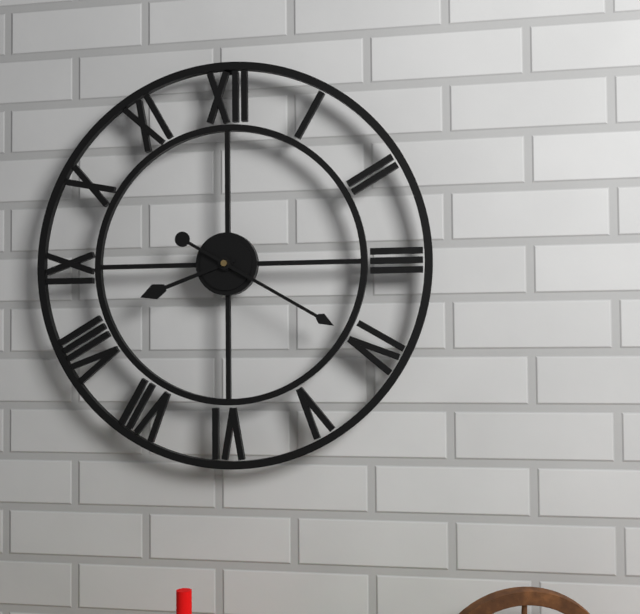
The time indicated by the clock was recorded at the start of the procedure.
8:20
